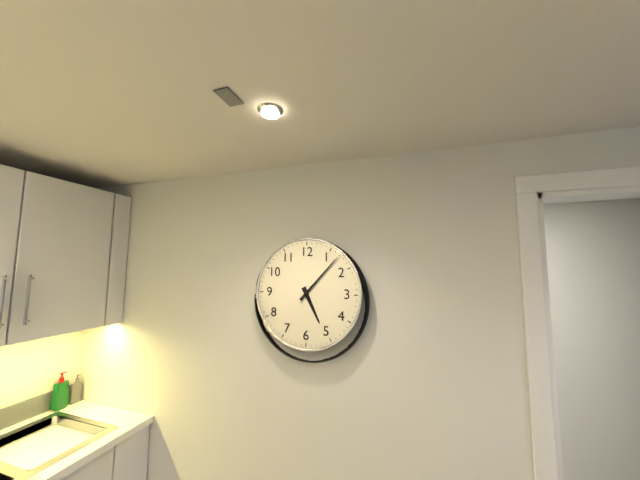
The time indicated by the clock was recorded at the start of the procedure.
5:07
